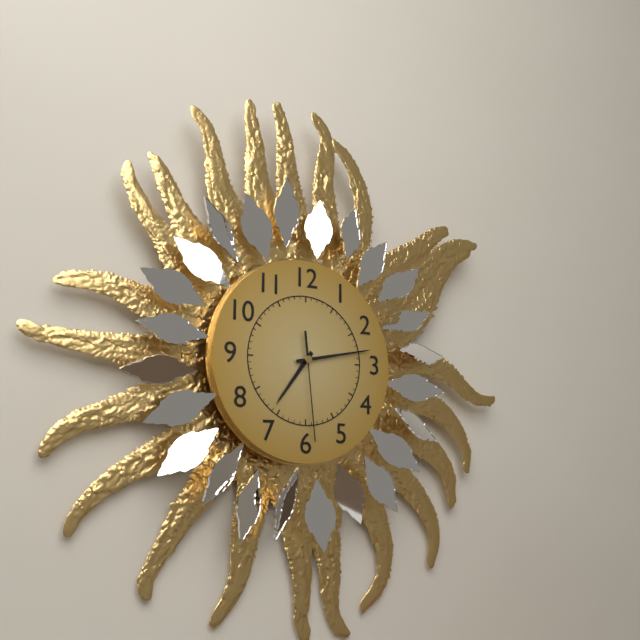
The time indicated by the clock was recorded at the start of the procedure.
7:13:29
